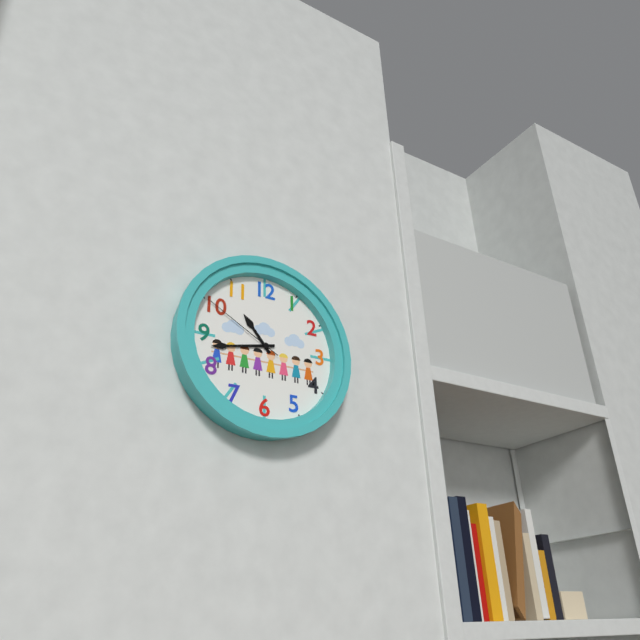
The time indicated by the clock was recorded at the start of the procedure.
10:43:50
